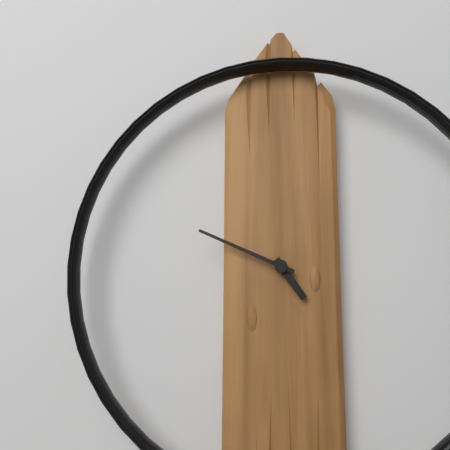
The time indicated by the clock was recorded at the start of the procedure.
4:49
